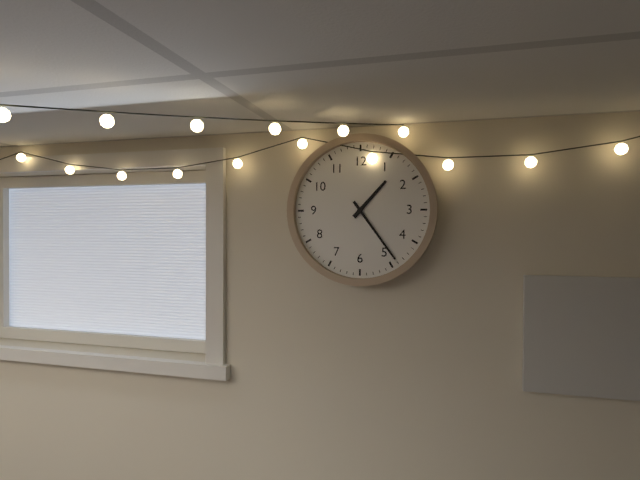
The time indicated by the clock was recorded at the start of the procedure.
1:24
